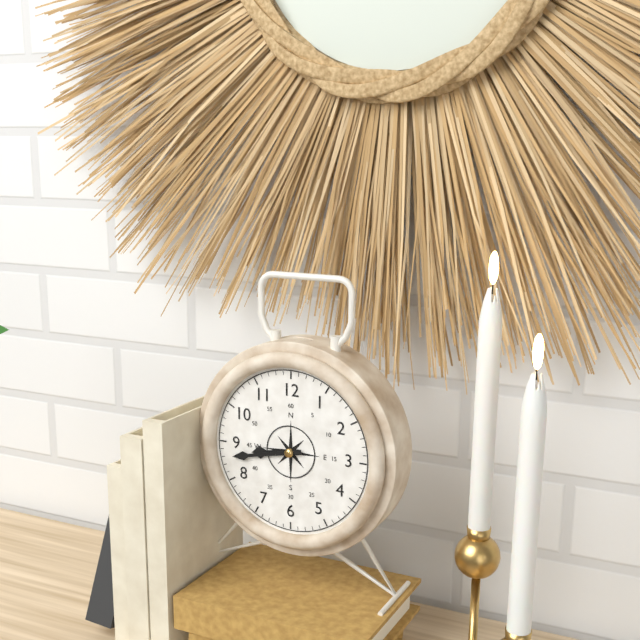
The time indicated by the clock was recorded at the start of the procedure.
8:43
